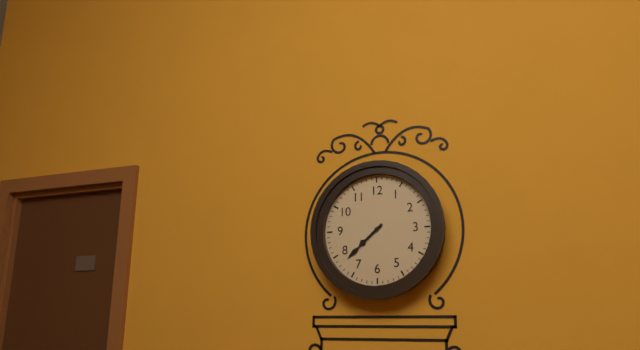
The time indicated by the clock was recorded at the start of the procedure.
7:38
